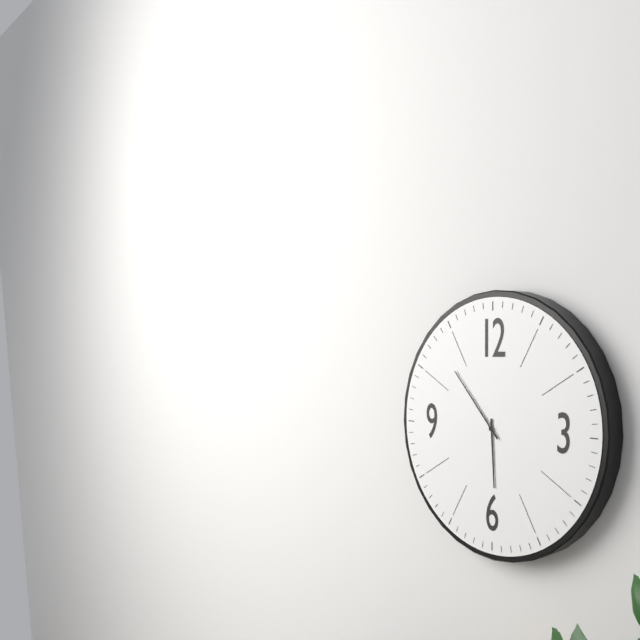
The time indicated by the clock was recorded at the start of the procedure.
5:53
